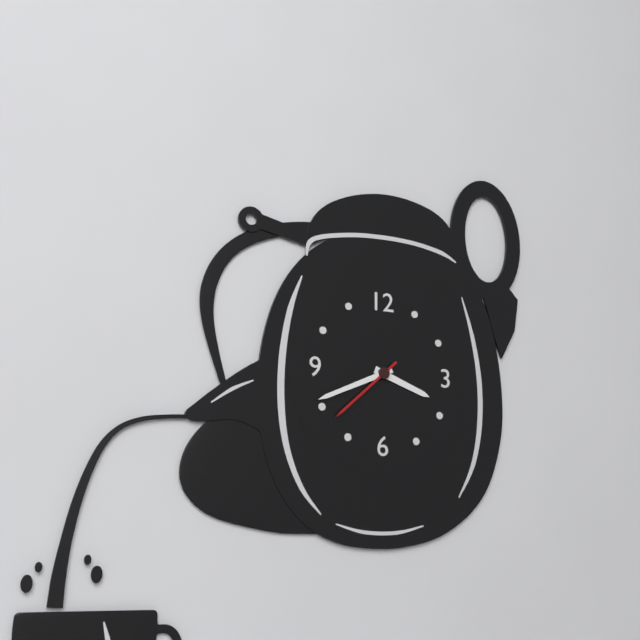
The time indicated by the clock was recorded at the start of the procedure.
3:41:38
